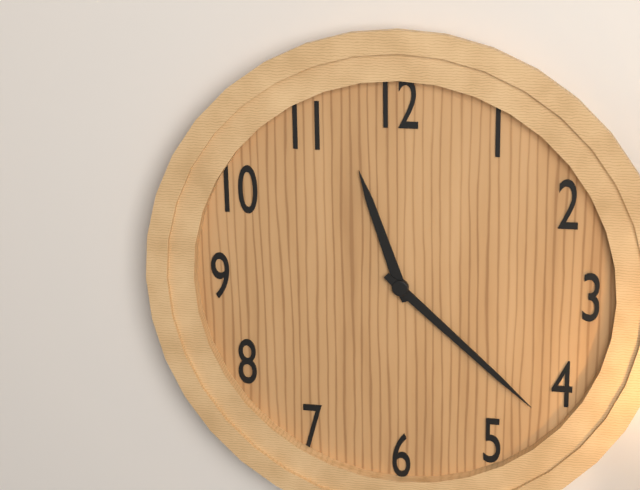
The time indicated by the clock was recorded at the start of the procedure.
11:22
